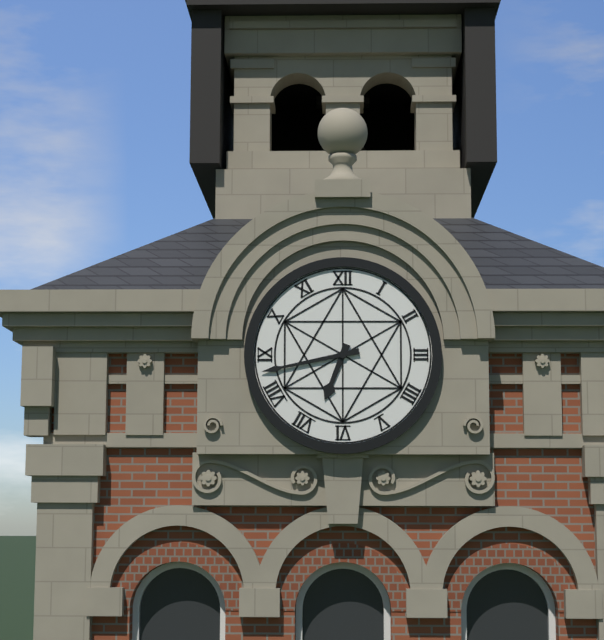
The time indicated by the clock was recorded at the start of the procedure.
6:43
